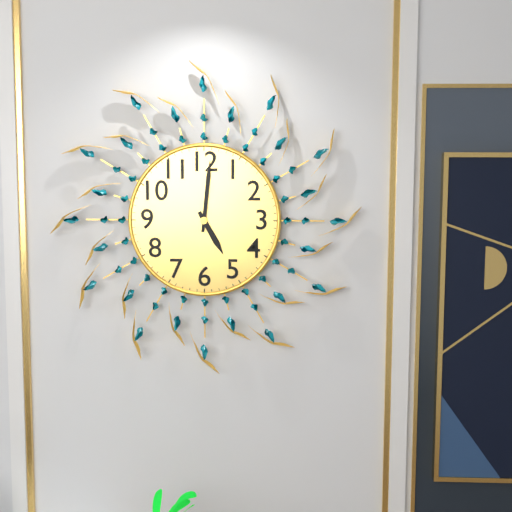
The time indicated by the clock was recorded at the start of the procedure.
5:01
